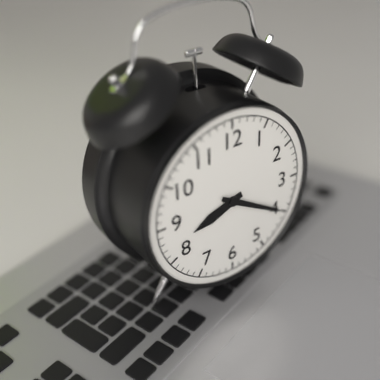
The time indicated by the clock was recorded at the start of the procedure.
8:20
